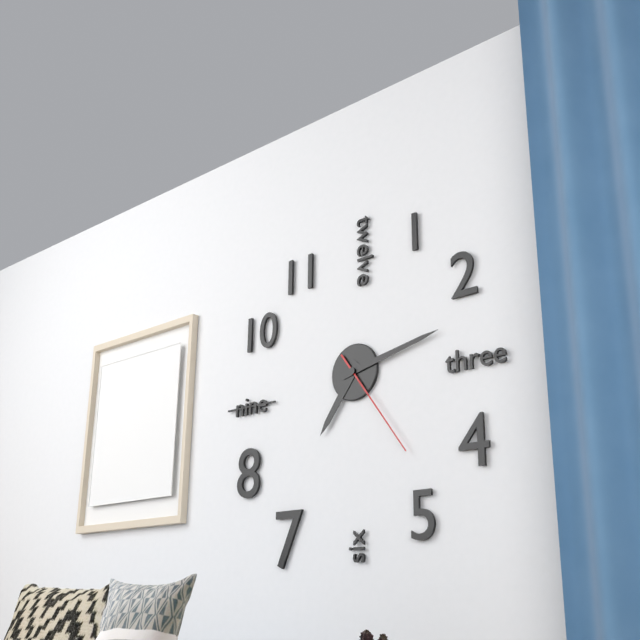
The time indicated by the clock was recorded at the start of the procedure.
7:13:24
